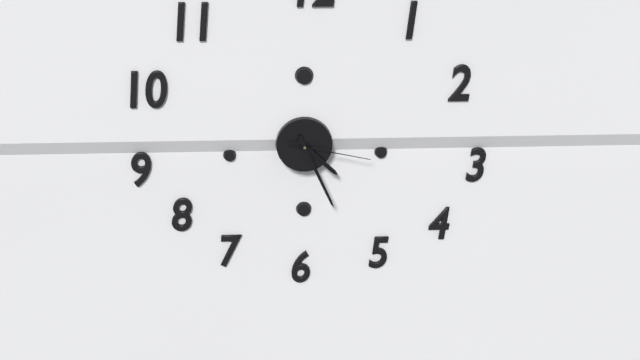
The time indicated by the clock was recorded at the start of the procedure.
4:26:17
